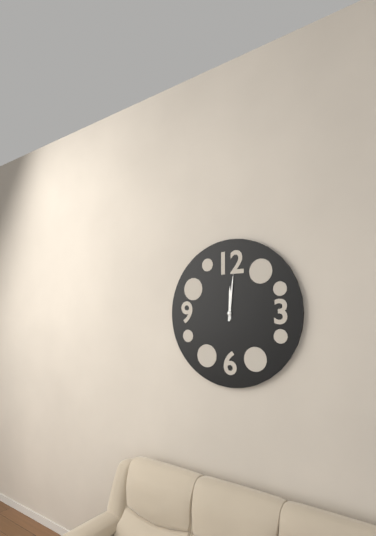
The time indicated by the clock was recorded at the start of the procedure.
12:01
